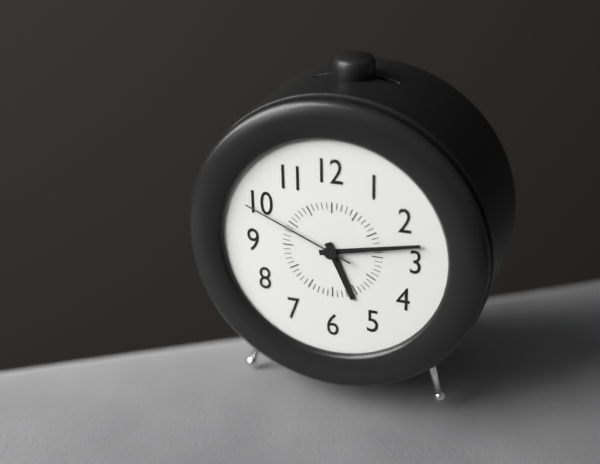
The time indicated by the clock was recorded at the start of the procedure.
5:13:49
